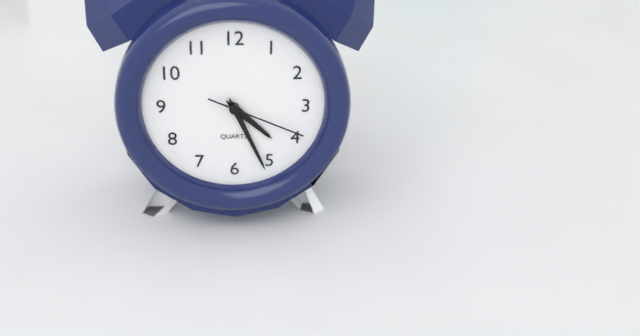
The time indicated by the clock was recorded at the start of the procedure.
4:26:19
